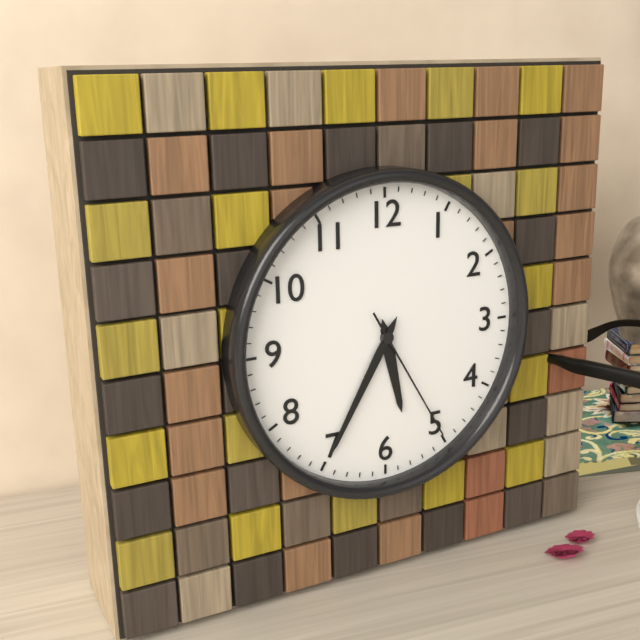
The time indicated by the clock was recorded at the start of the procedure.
5:35:25
